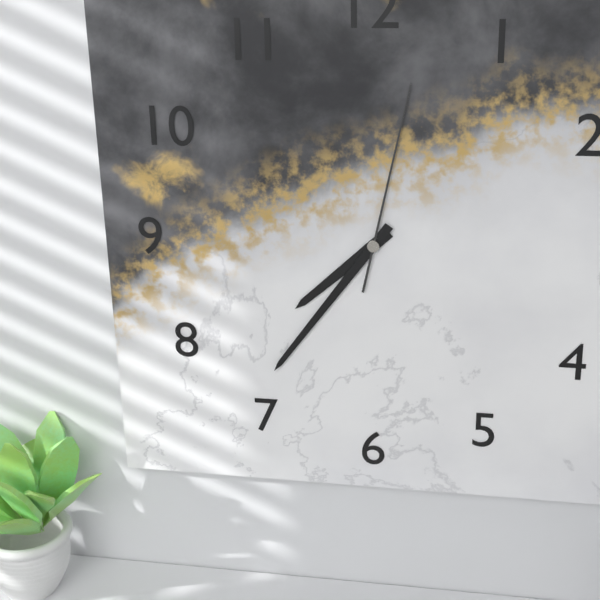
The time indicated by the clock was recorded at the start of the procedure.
7:36:02
